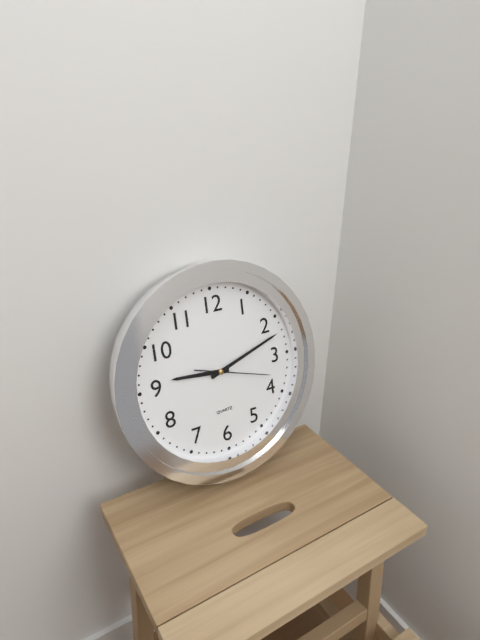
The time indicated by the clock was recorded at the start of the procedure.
9:12:18
